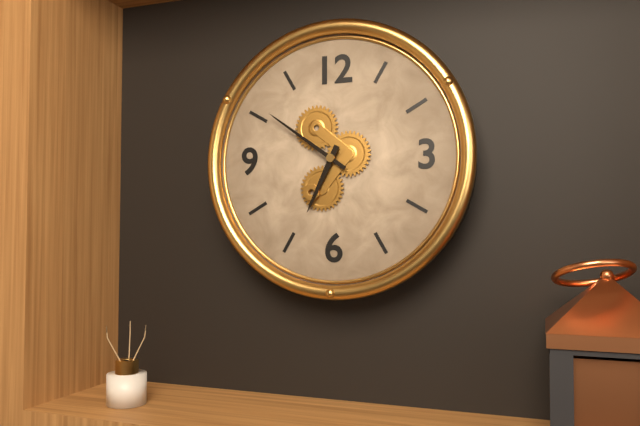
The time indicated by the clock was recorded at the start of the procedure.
6:51
